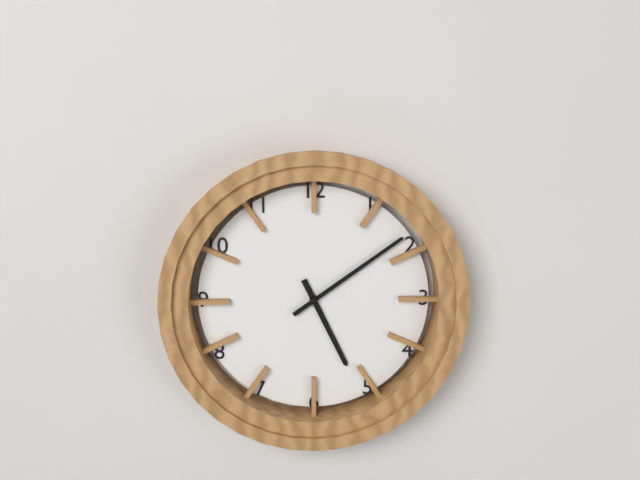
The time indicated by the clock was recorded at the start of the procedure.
5:09
